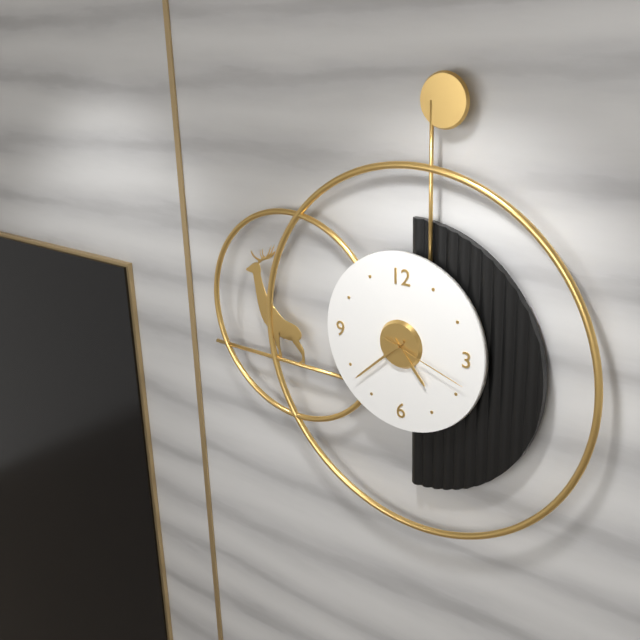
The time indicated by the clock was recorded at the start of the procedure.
4:38:18
